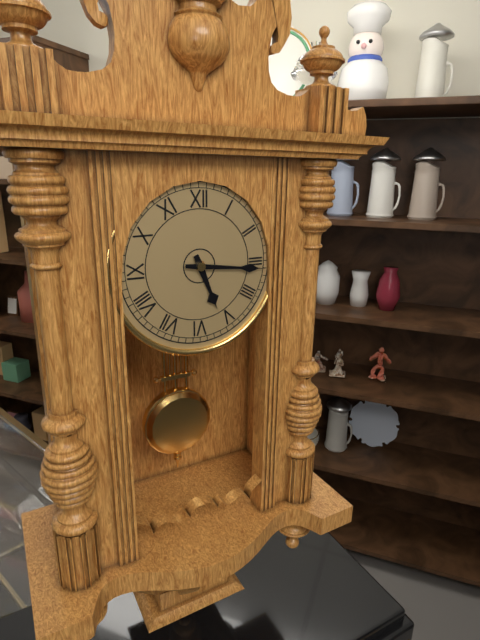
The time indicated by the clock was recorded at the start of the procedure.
5:16
